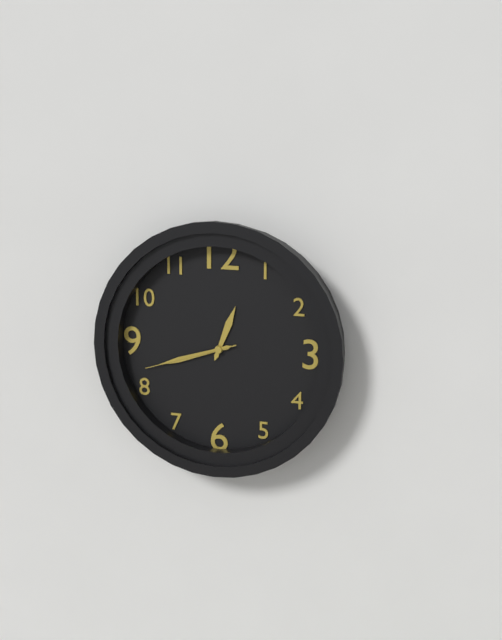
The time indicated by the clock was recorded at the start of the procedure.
12:42:42
